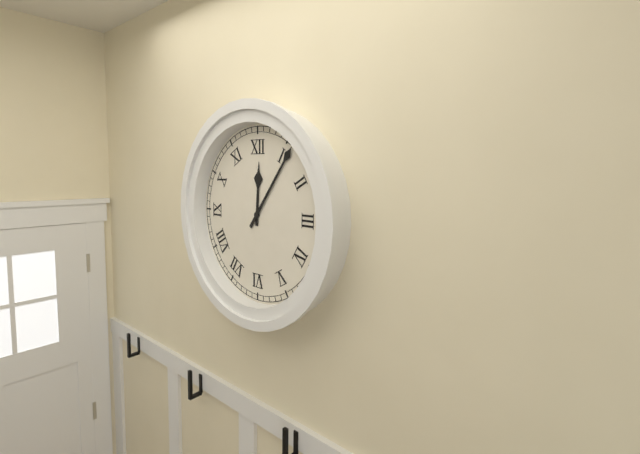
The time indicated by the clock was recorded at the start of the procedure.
12:06
